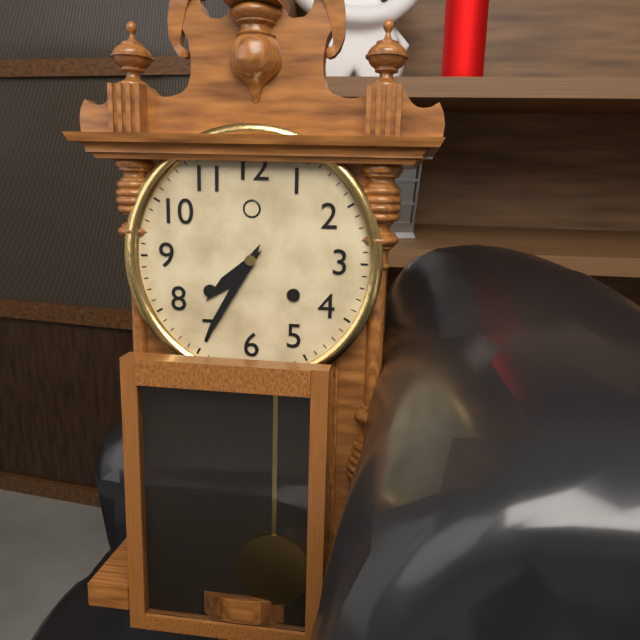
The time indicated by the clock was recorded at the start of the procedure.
7:35
